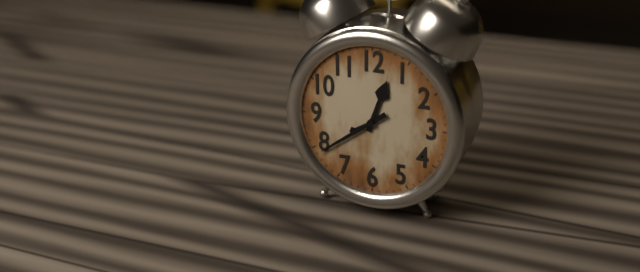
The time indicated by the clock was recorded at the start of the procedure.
12:39
